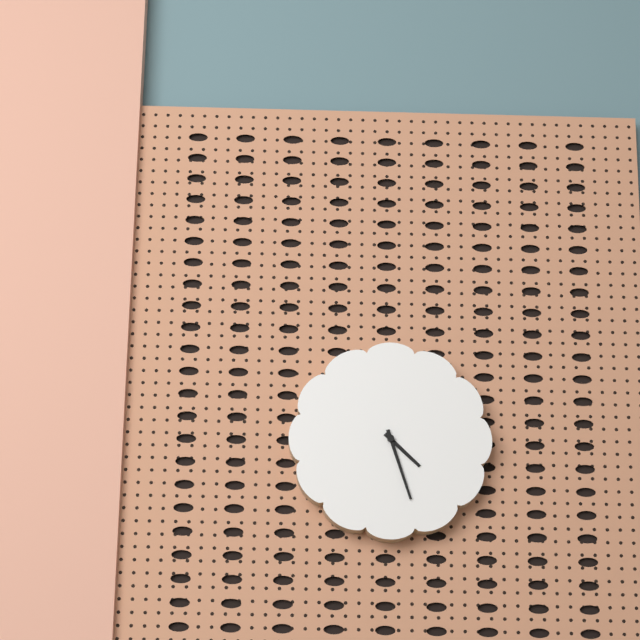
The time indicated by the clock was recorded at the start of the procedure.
4:27
